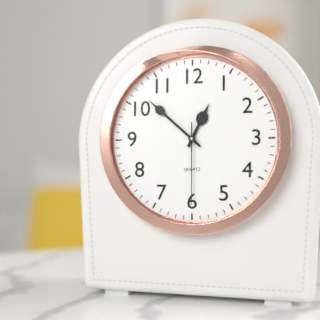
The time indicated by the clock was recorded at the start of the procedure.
12:52:30
